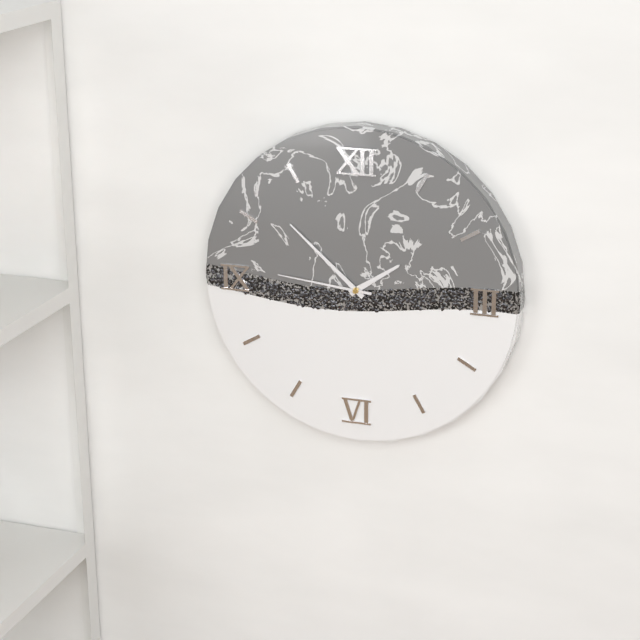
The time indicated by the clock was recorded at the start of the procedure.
1:52:46
